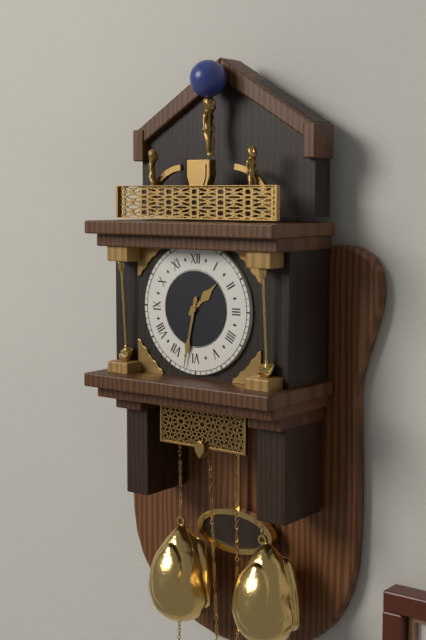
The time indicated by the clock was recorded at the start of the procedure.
1:32
